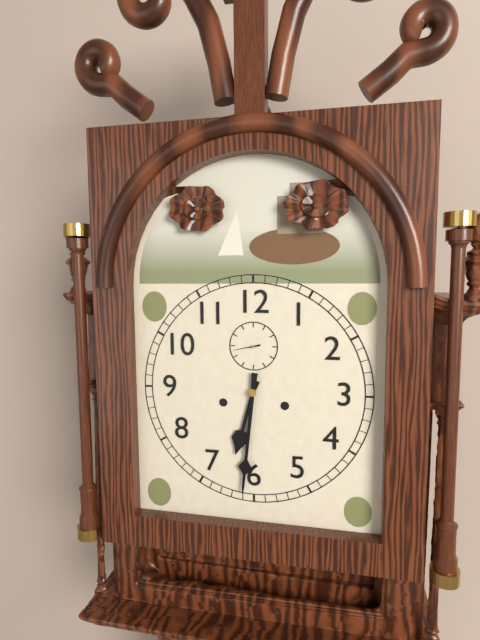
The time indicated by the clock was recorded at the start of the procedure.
6:31
